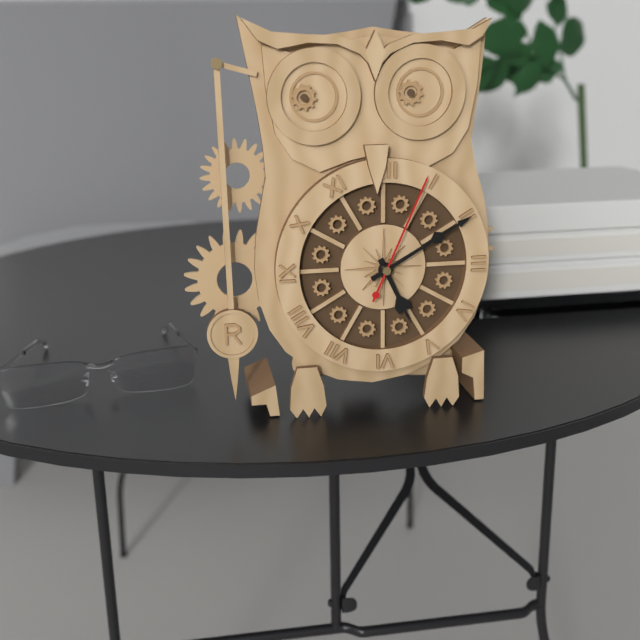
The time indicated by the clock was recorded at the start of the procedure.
5:10:04
